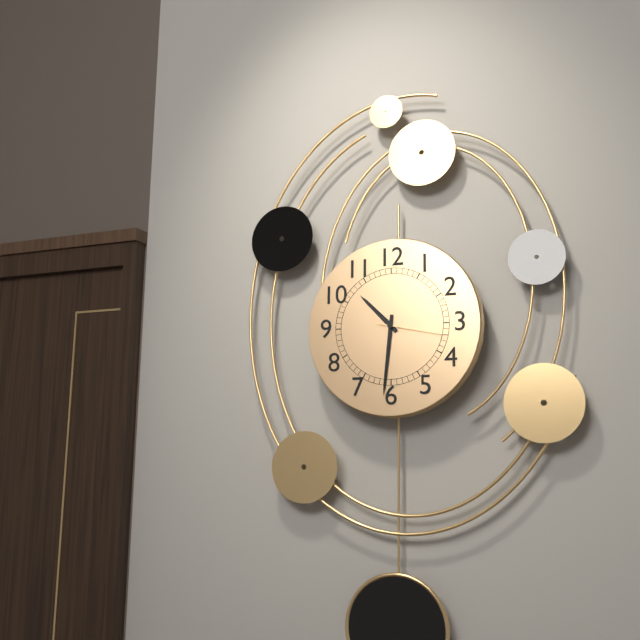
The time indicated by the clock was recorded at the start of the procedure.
10:31:17
